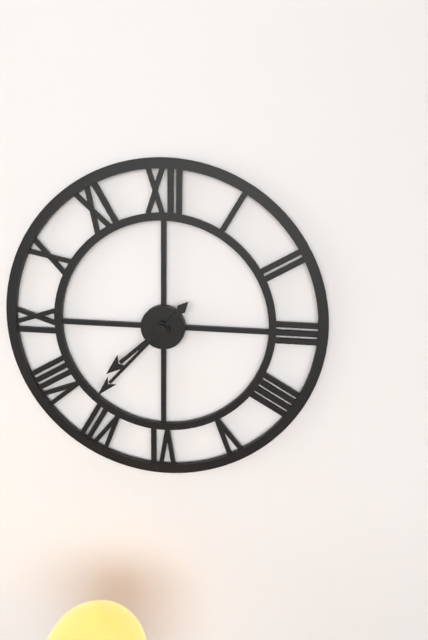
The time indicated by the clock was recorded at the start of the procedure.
7:37
